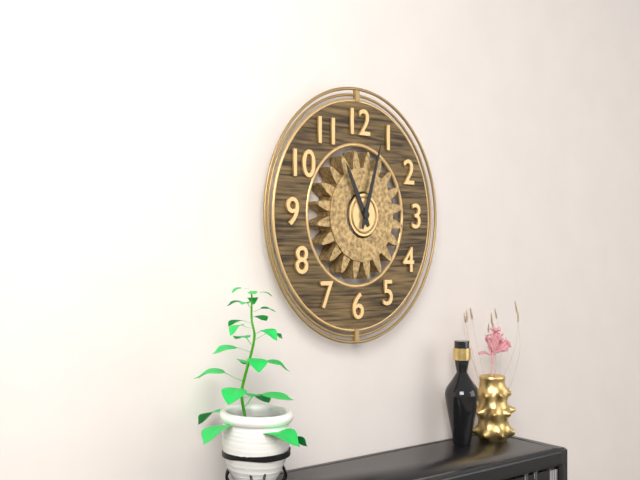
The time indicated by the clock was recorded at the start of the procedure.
11:03
